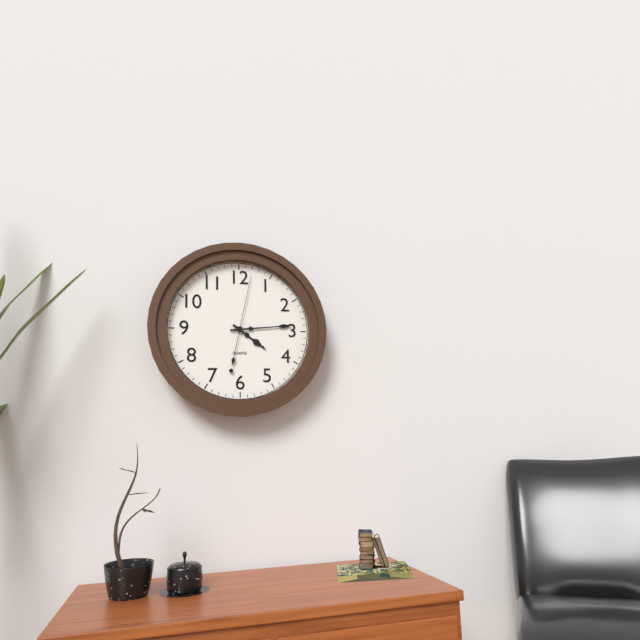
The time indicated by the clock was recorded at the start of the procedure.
4:14:02
